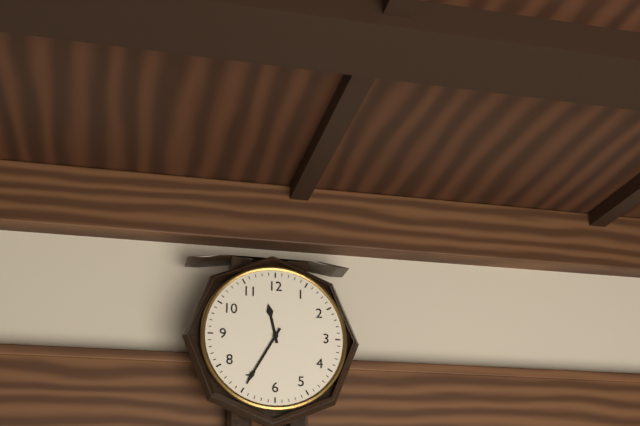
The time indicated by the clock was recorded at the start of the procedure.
11:35
